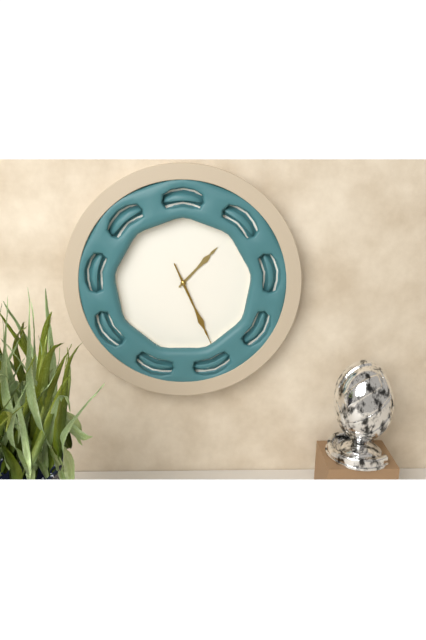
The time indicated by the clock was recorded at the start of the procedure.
1:26
